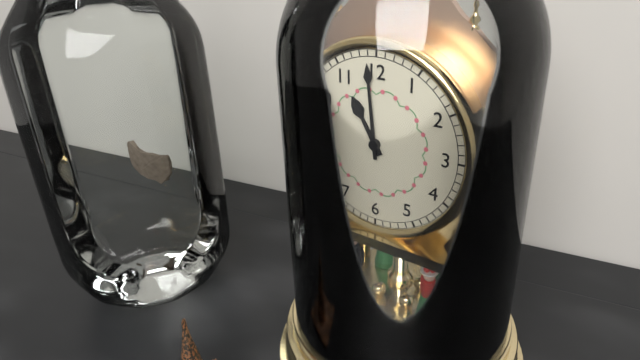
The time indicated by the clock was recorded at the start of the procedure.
10:59
